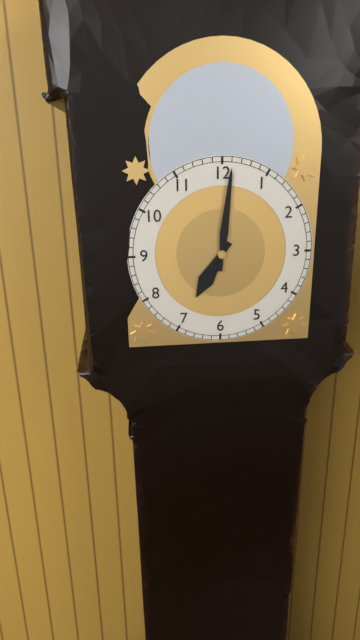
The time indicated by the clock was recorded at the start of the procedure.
7:01
